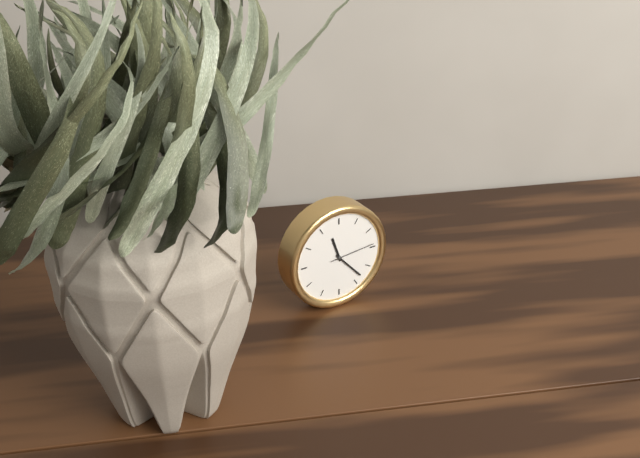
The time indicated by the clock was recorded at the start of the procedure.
11:23
